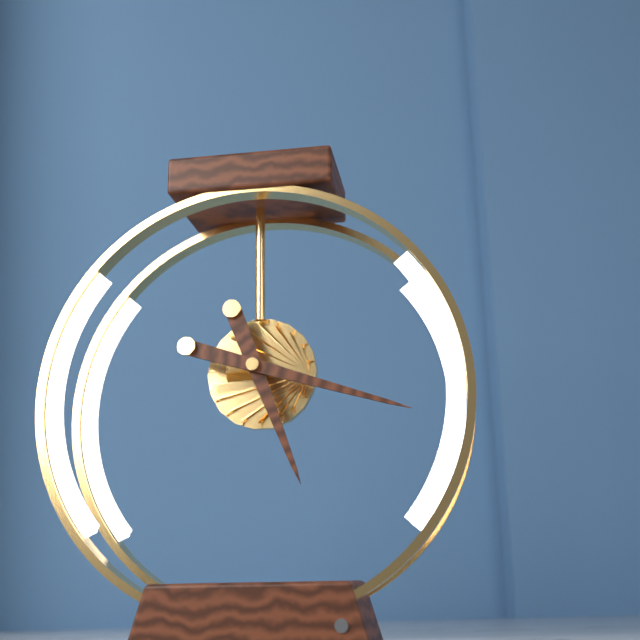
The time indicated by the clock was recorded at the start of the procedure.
5:18
